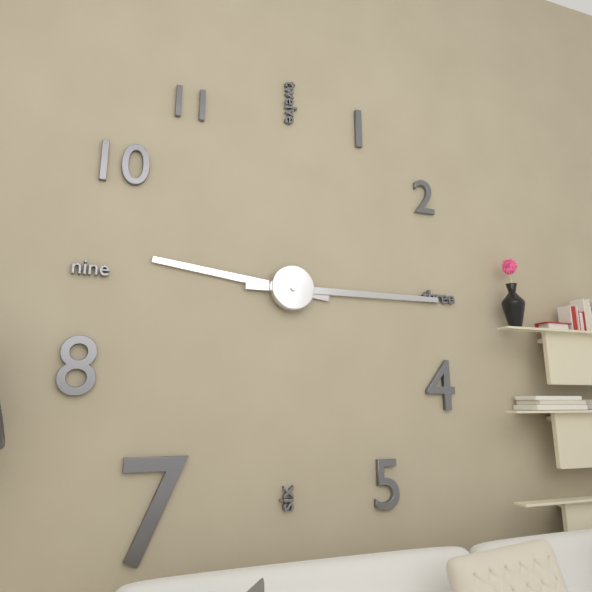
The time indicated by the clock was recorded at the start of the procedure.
9:15
